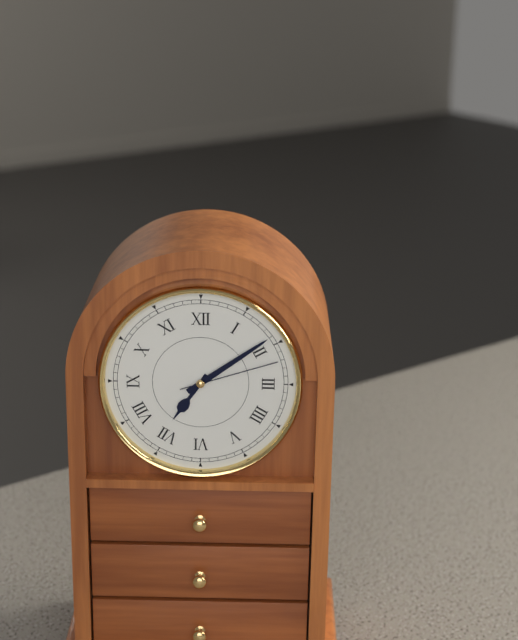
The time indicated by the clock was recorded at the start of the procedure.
7:09:12
